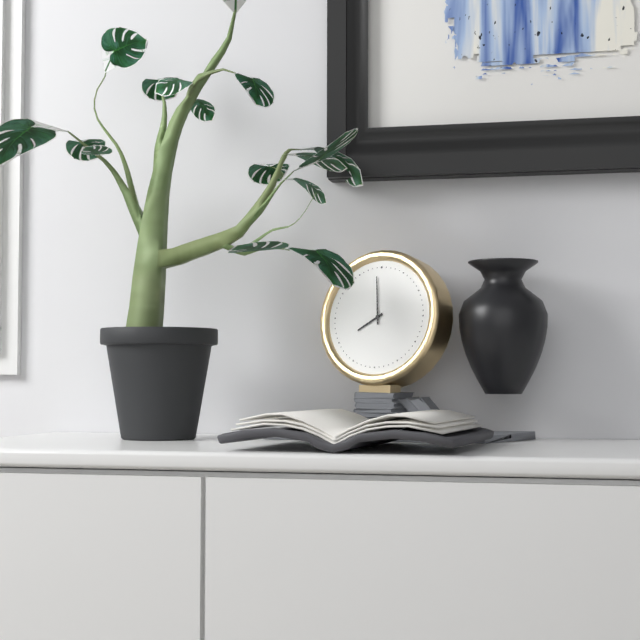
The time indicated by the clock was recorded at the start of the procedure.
7:59
